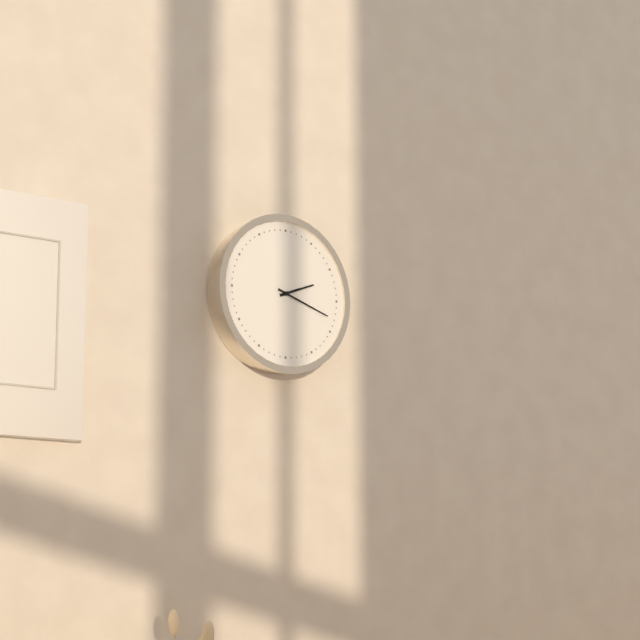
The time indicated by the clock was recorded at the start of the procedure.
2:18
